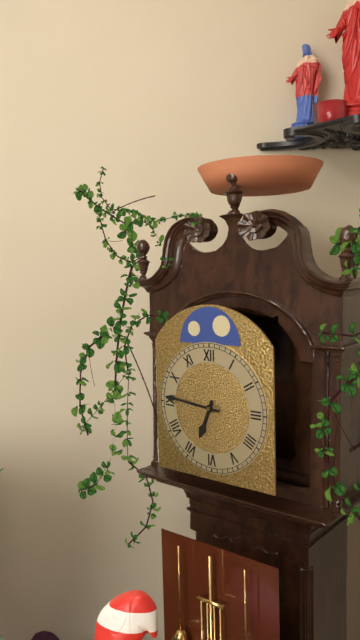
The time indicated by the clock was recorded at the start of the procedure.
6:46
